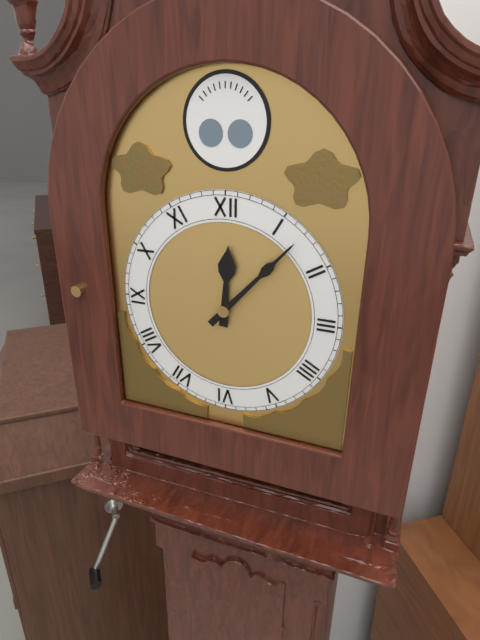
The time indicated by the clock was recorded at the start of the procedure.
12:07
